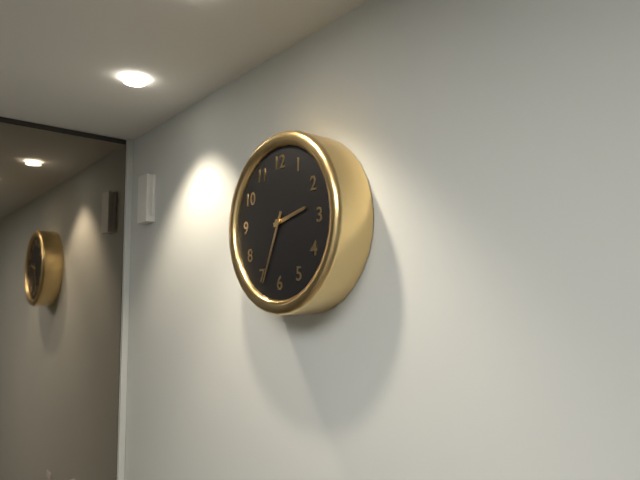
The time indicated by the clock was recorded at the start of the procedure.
2:34
